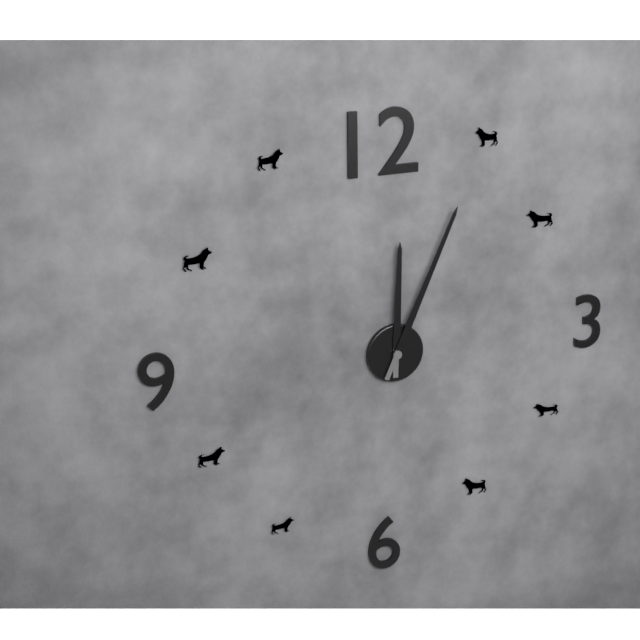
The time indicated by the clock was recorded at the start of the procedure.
12:04
